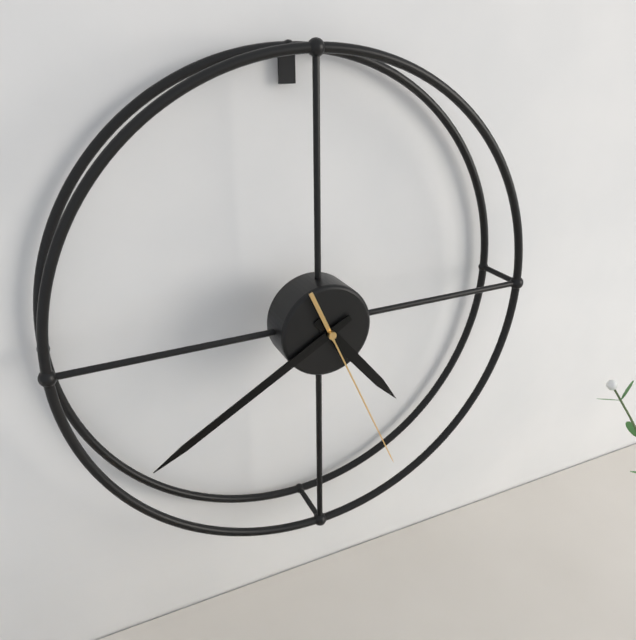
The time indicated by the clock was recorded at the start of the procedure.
4:40:26
